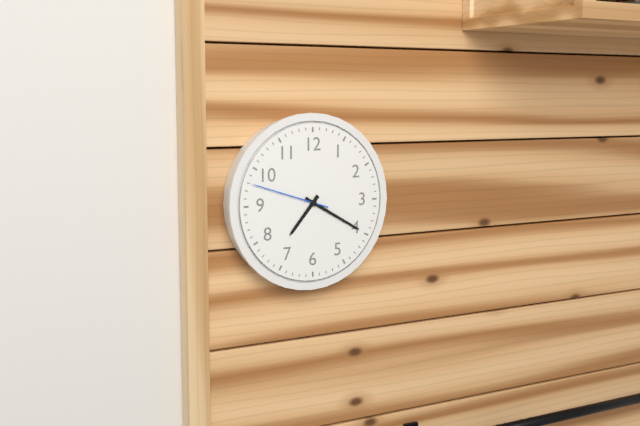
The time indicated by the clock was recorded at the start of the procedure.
7:20:48
